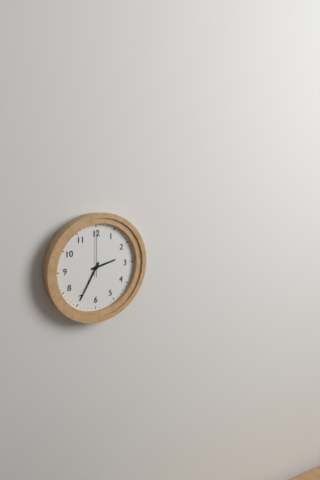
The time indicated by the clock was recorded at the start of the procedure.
2:35
